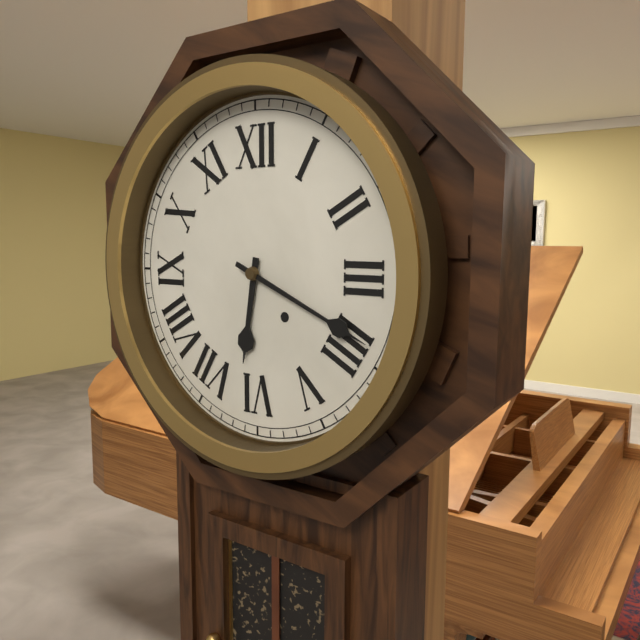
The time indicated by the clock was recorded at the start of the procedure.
6:19
